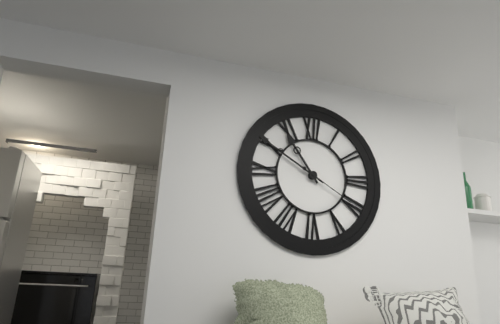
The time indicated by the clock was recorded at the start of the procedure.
10:50:20
